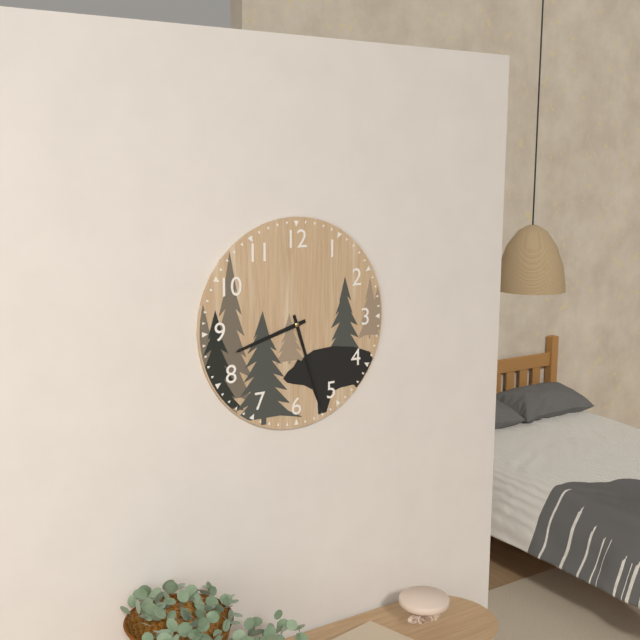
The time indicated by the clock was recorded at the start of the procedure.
8:27
